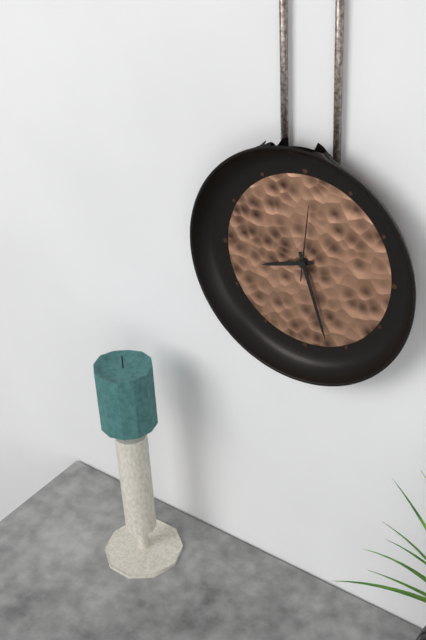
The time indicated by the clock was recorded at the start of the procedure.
8:27:01
